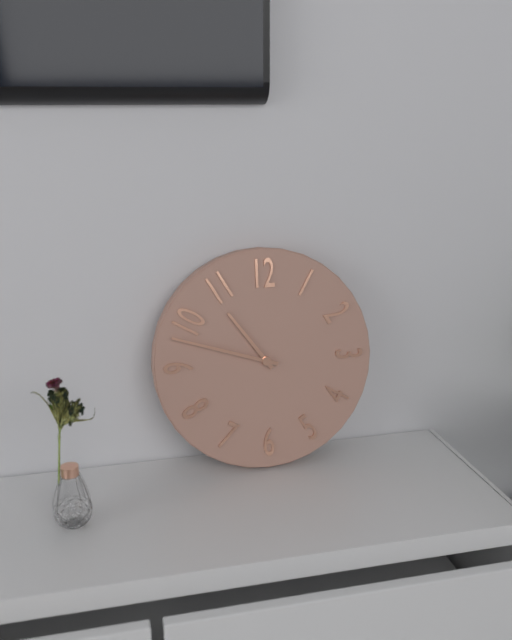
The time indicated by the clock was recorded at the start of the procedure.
10:48
